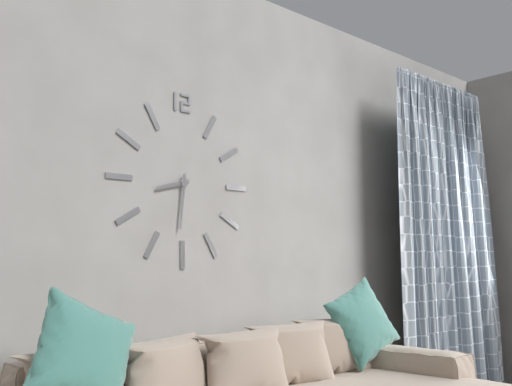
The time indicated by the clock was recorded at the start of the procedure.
8:31
